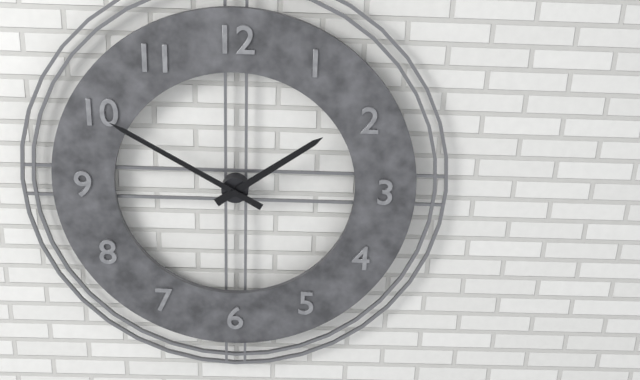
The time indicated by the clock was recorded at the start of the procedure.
1:50
